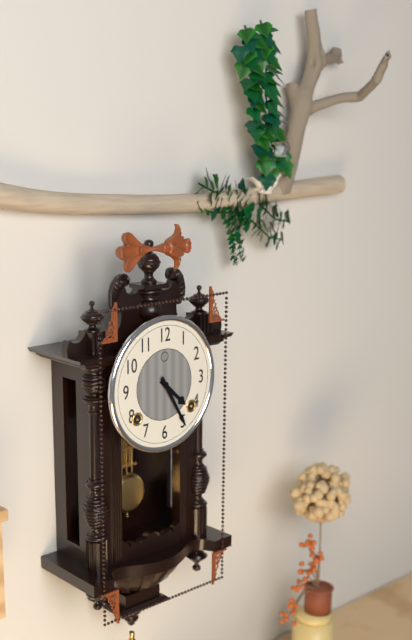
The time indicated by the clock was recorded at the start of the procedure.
4:25
